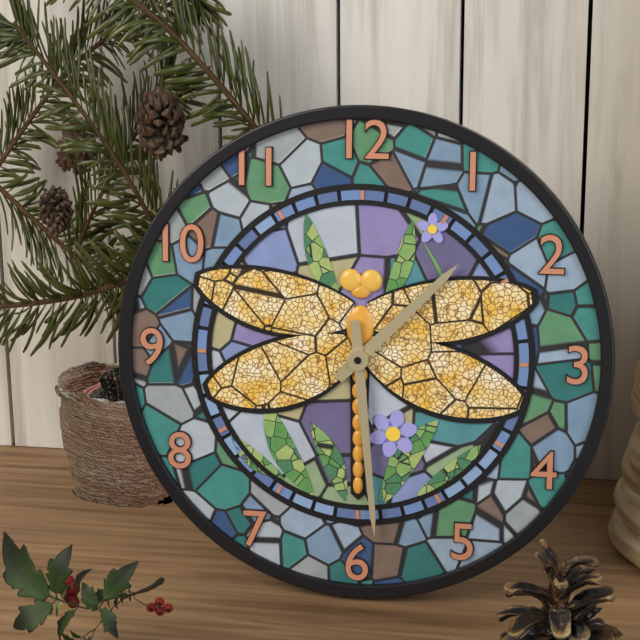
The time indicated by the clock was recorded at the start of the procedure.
1:29
